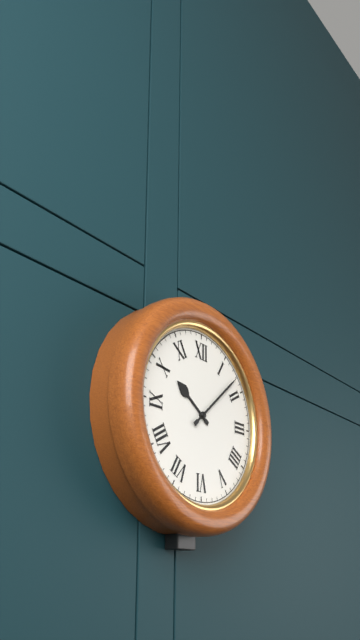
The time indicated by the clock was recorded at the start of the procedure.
10:08
